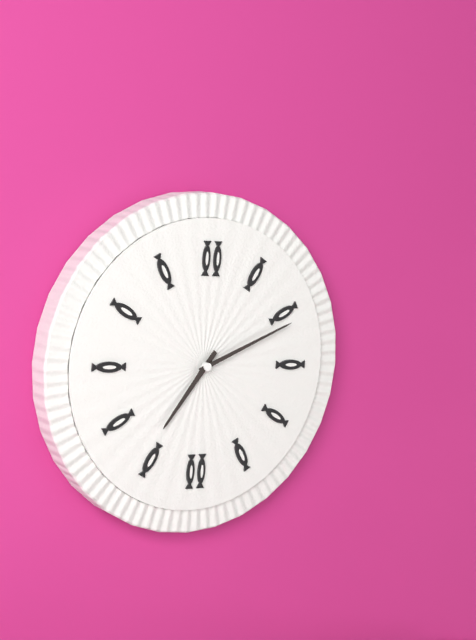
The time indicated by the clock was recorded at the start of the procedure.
7:11
